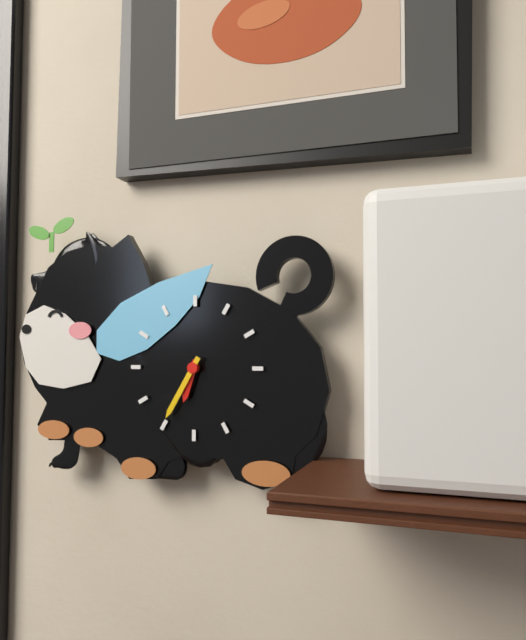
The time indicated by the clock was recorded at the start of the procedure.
6:35
